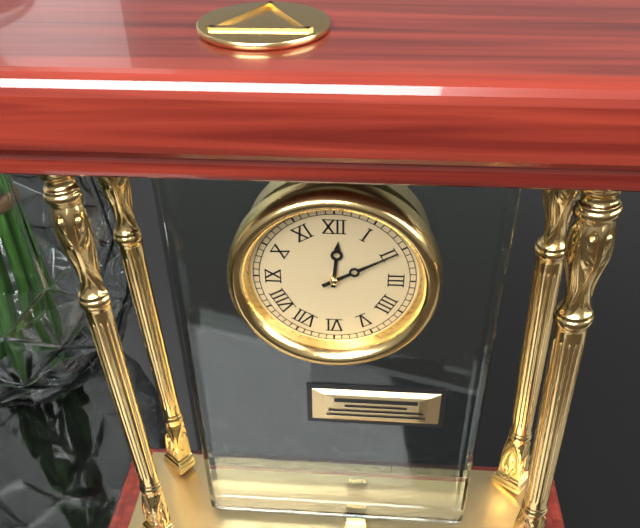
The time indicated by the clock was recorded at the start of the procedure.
12:10
